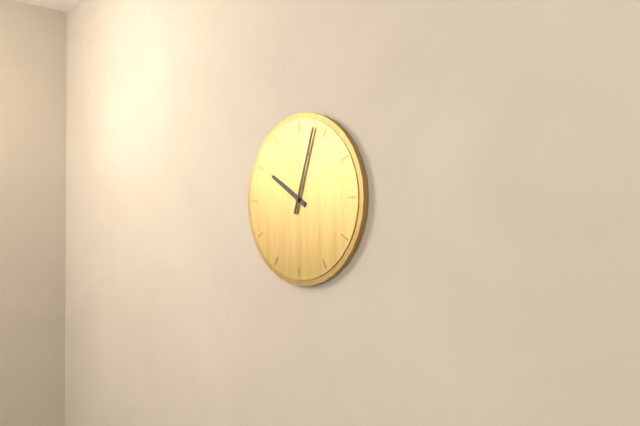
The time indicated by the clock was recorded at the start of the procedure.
10:03
